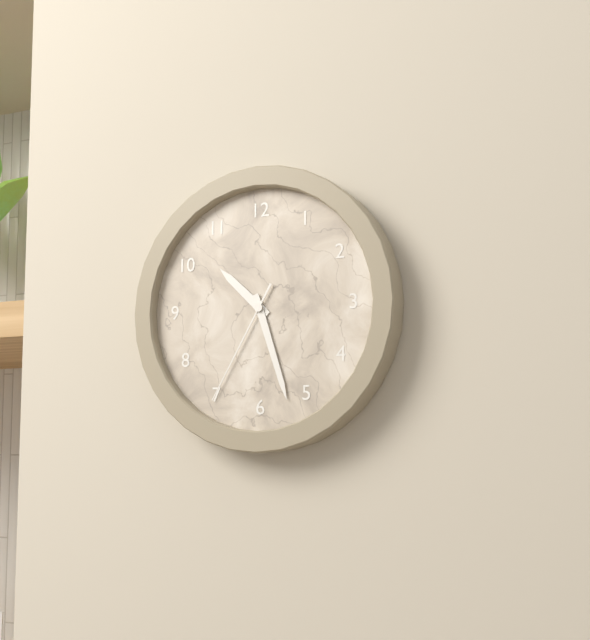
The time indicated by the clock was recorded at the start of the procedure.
10:27:35
